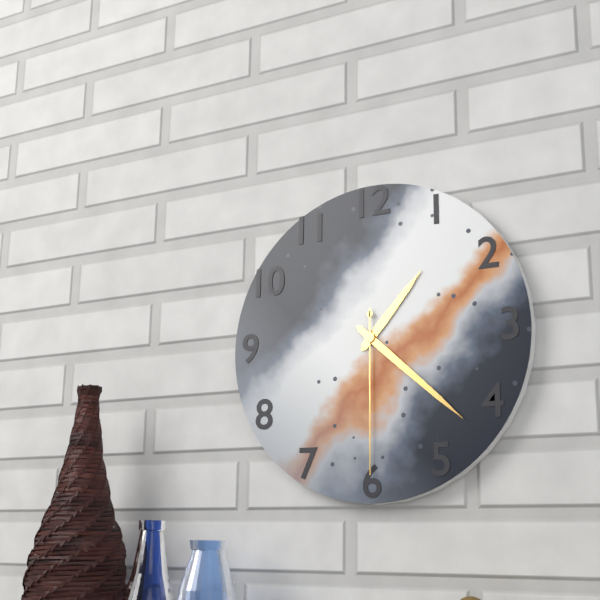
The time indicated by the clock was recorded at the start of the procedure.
1:22:30
